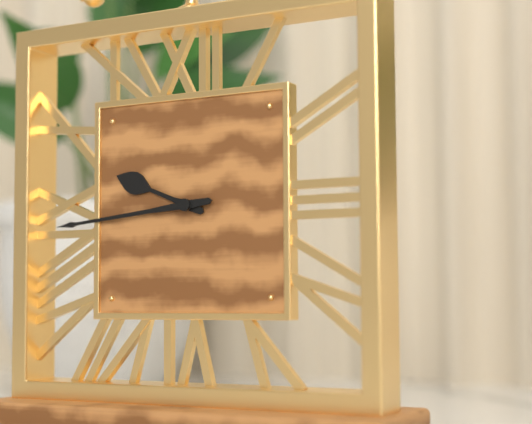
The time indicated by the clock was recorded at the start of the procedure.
9:44
